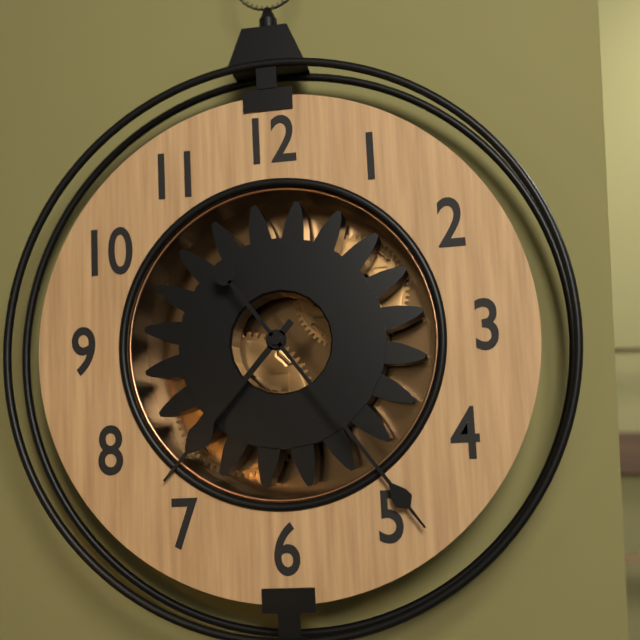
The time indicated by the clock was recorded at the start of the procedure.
7:24
